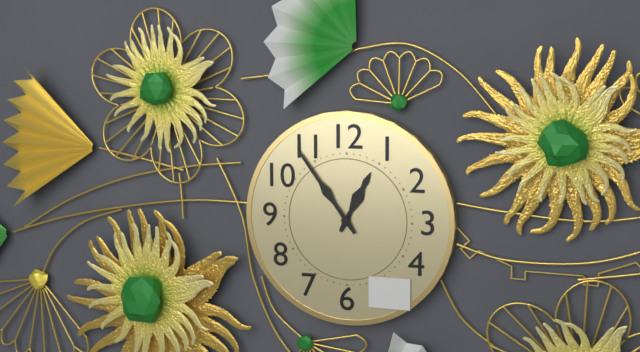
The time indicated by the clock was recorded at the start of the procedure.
12:54
